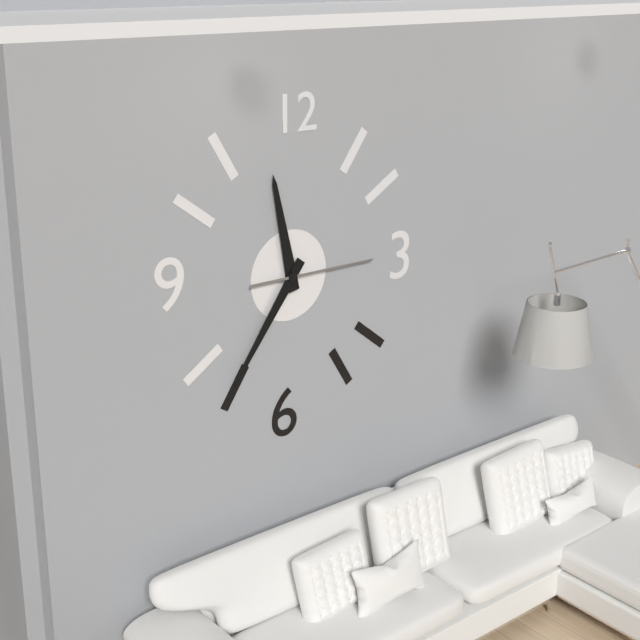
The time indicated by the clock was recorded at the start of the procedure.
11:36:15
